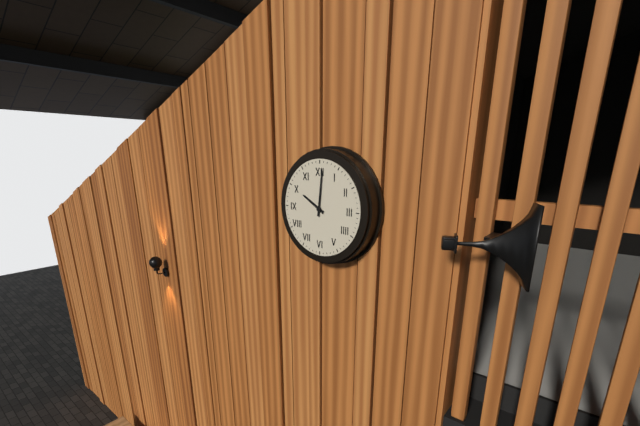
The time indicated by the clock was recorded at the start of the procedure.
10:01
